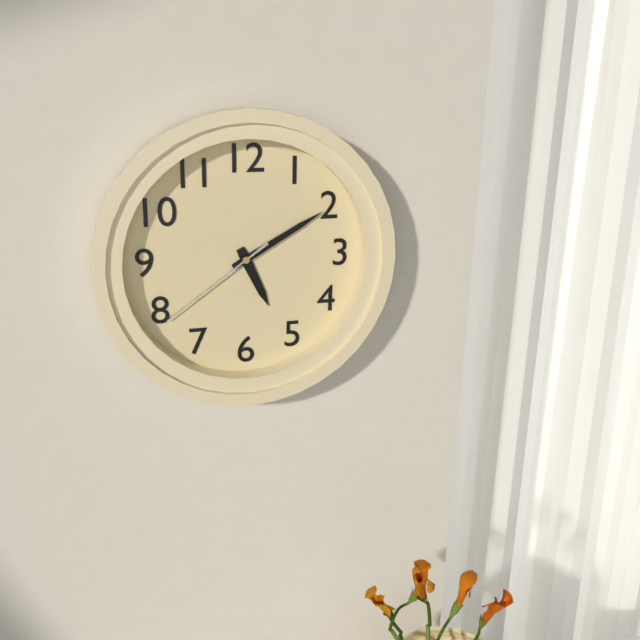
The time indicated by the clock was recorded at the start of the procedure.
5:10:39
